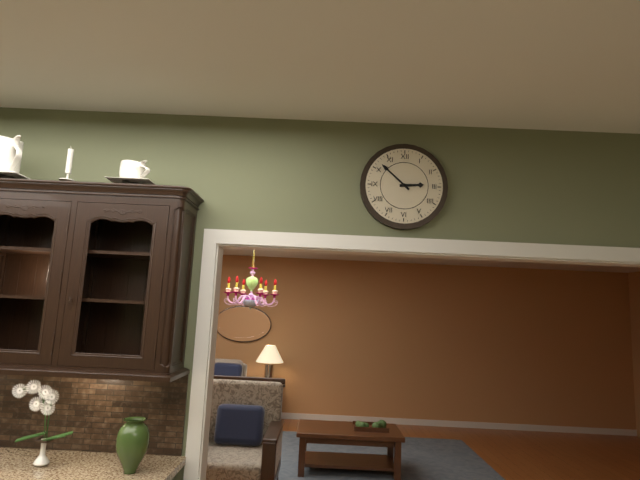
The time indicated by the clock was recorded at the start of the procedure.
2:52
